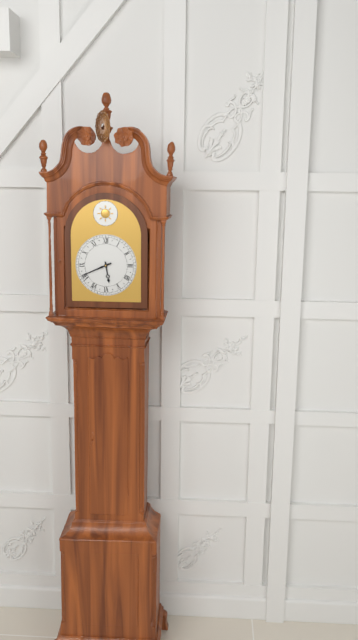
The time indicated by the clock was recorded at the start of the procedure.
5:41
